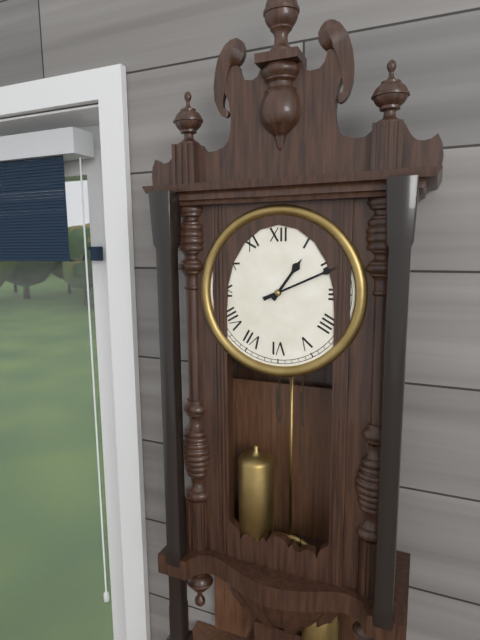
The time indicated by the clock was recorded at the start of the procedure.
1:11
